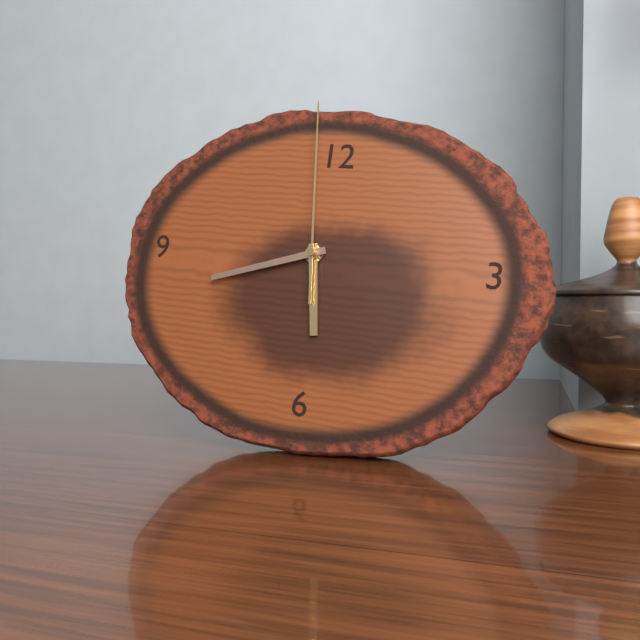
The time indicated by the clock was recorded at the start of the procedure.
5:42:59
